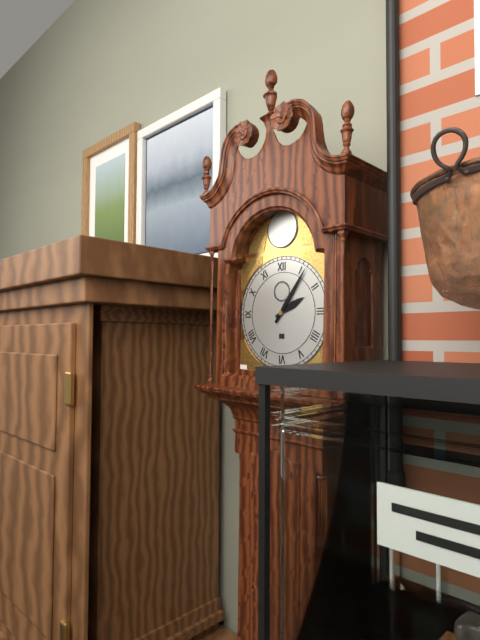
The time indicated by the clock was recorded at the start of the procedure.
2:06
